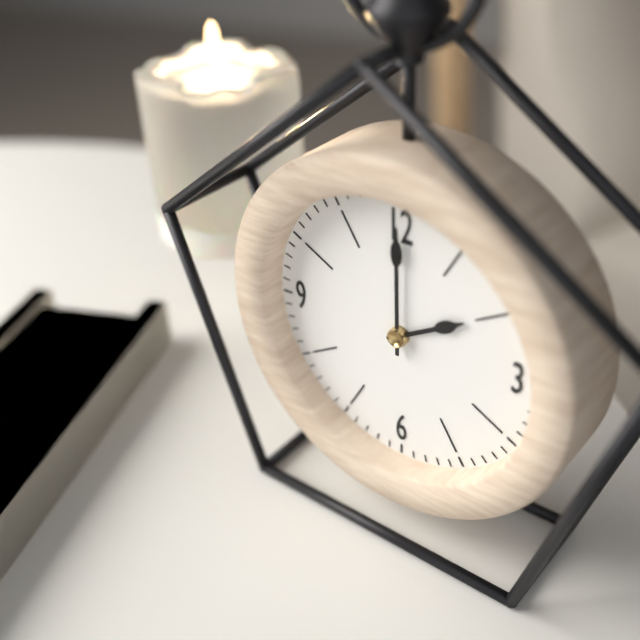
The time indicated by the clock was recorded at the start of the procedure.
2:00
